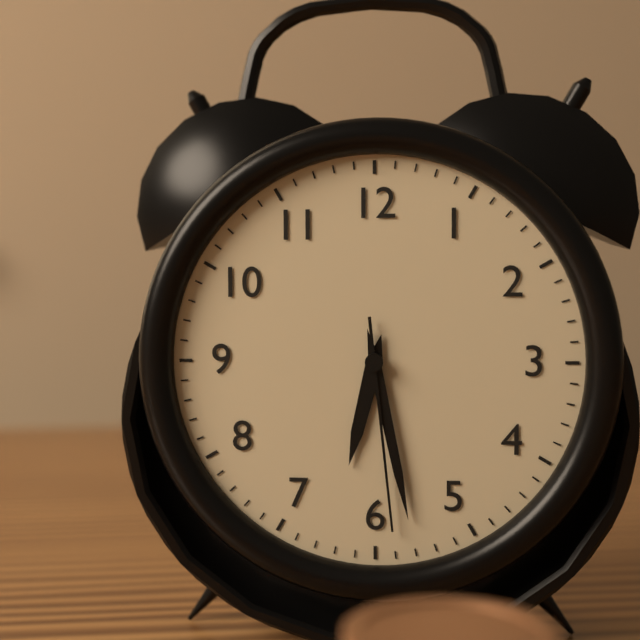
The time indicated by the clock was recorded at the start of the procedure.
6:28:29
